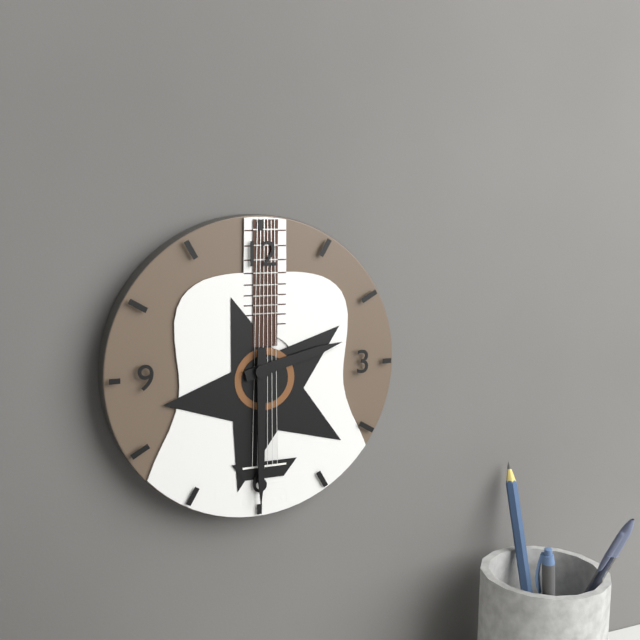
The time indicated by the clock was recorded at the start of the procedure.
2:30
